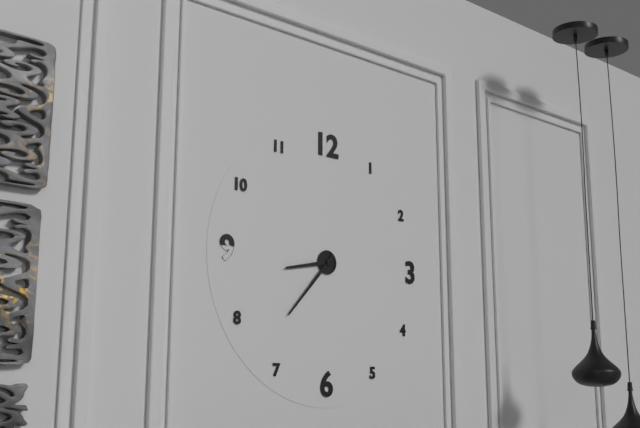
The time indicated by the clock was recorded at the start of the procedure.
8:37
